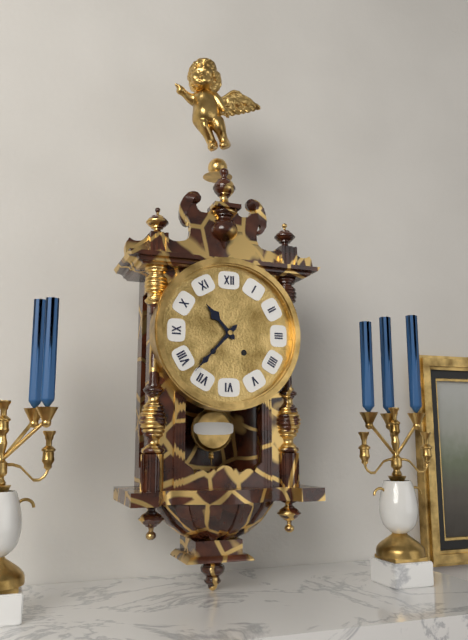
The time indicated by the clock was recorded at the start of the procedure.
10:37
